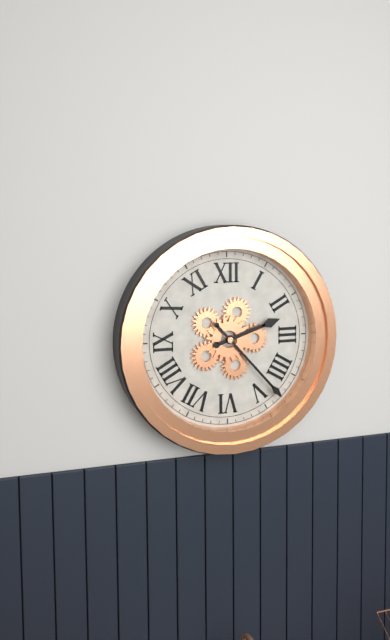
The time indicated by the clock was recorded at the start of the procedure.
2:23
